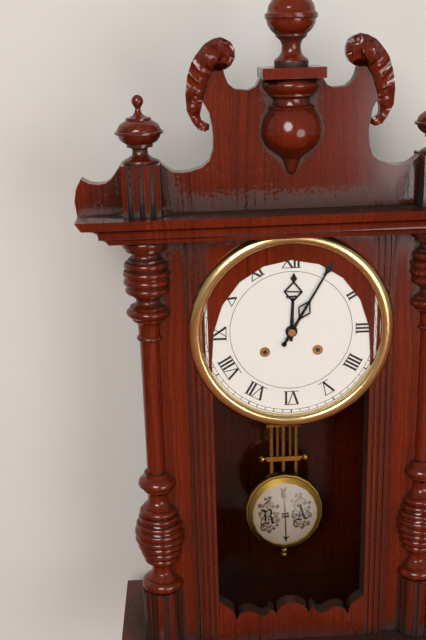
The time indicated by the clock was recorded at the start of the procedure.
12:05
